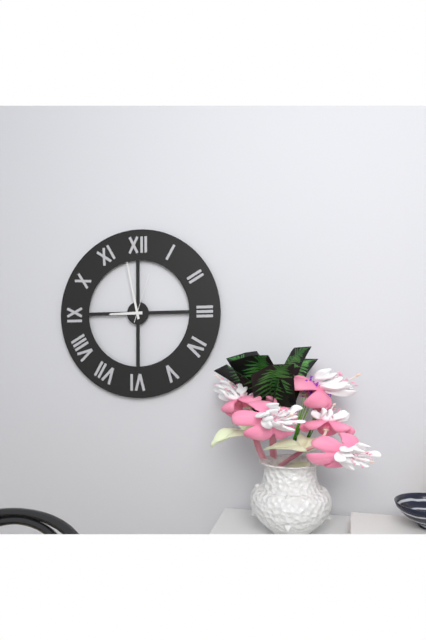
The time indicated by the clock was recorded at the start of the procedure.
8:58:03
